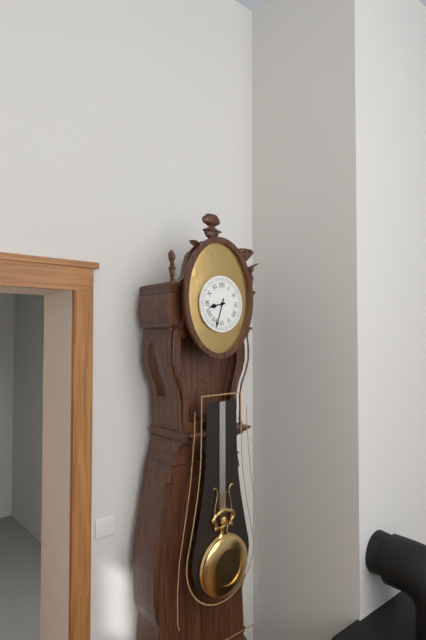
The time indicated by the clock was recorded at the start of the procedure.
8:33
